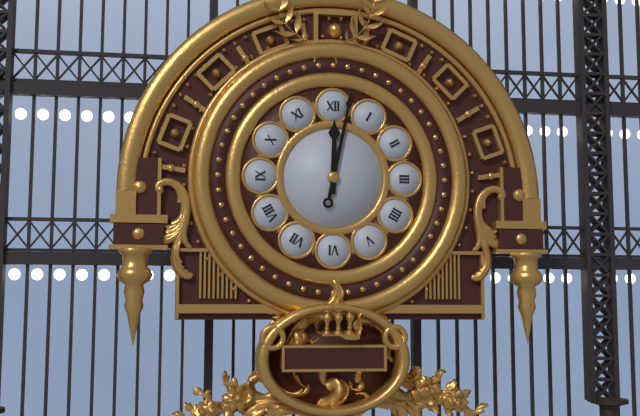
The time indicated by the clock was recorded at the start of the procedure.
12:02
